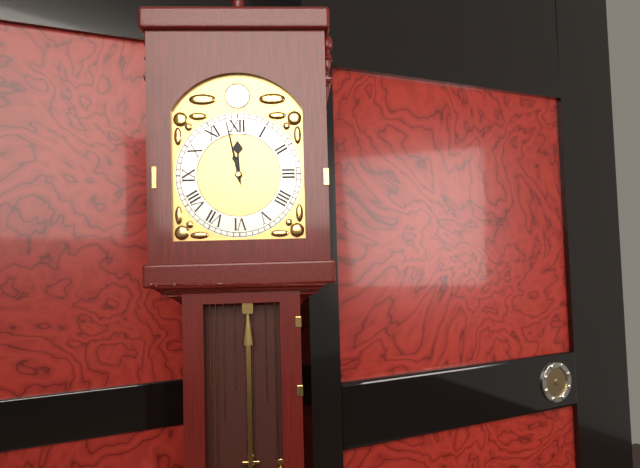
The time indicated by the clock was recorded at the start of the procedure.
11:58
